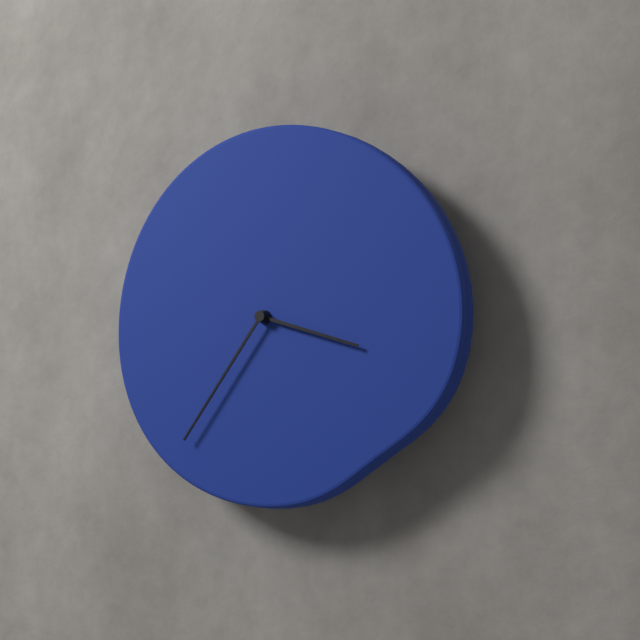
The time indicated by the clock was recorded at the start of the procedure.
3:36
